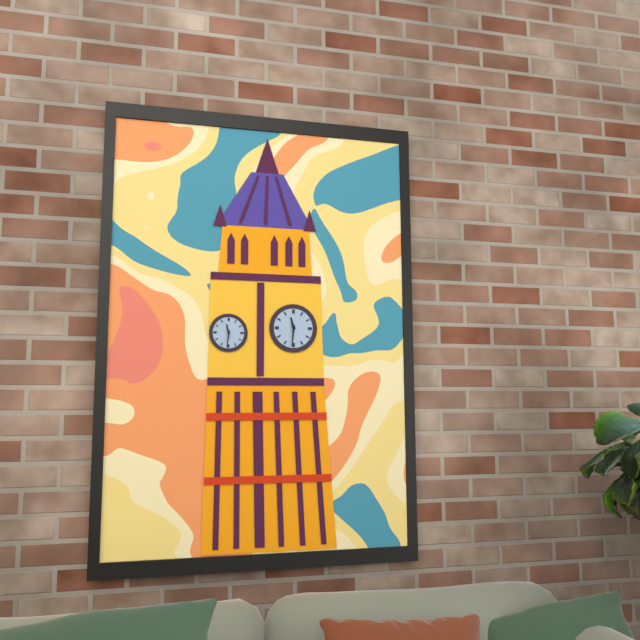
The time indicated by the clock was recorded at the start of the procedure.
11:31
